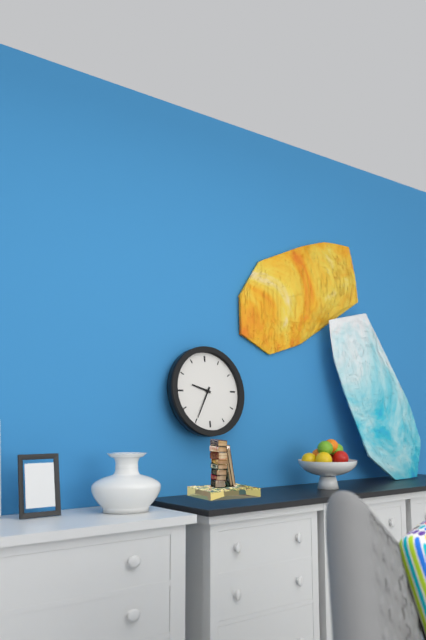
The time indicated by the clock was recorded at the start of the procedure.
9:35
